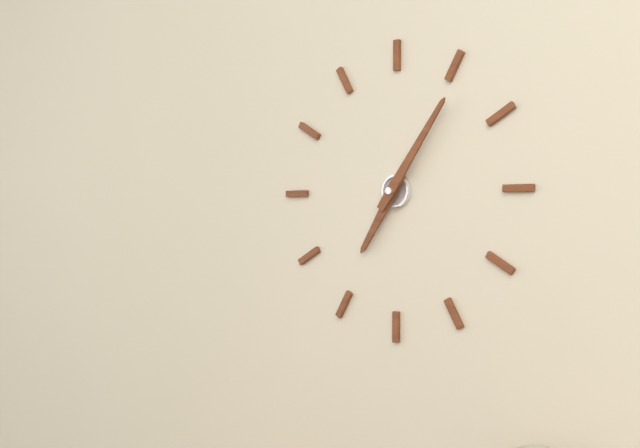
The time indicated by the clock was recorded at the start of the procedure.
7:06
